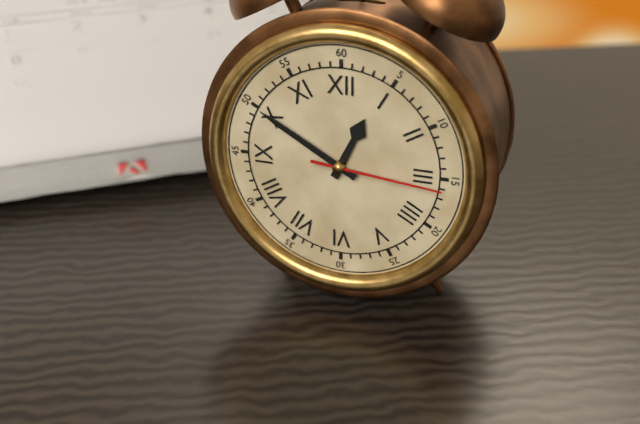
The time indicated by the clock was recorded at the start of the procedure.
12:50:16
